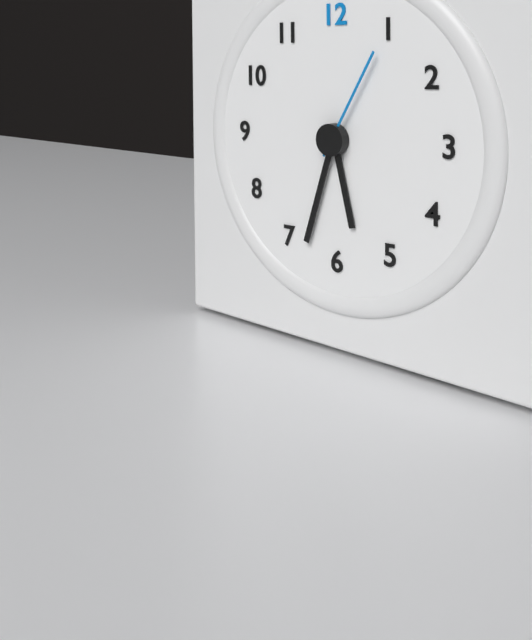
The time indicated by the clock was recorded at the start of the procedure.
5:33:05
